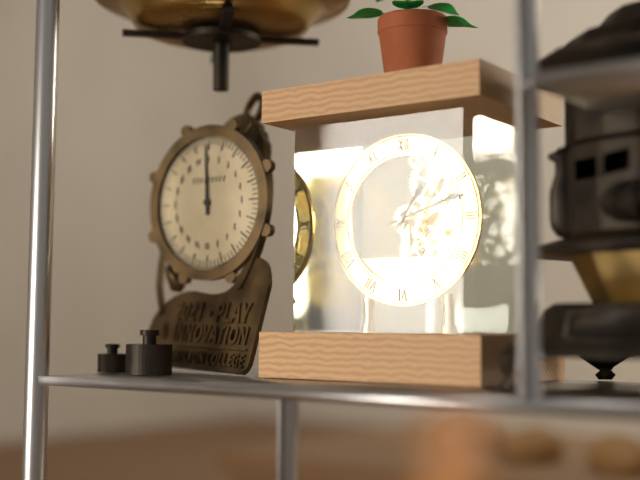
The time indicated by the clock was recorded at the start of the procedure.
1:12
